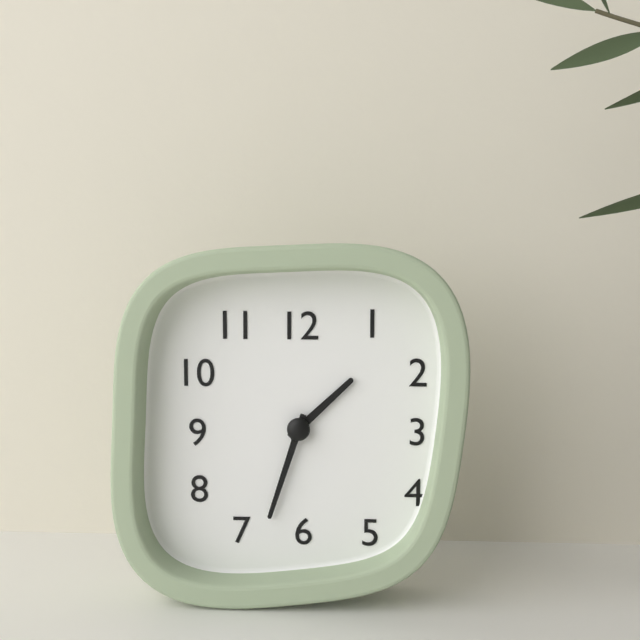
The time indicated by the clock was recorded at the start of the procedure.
1:33
